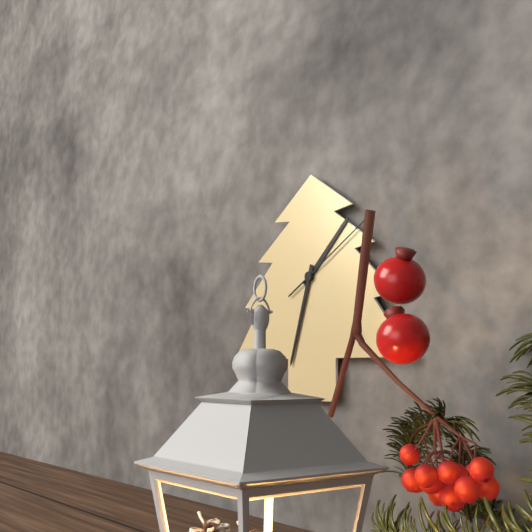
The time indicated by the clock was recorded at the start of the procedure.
1:33:10
